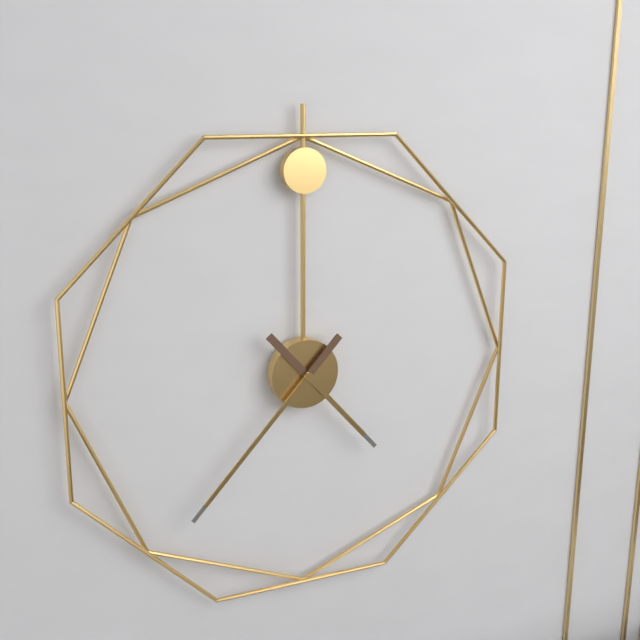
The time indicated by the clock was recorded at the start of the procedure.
4:37
